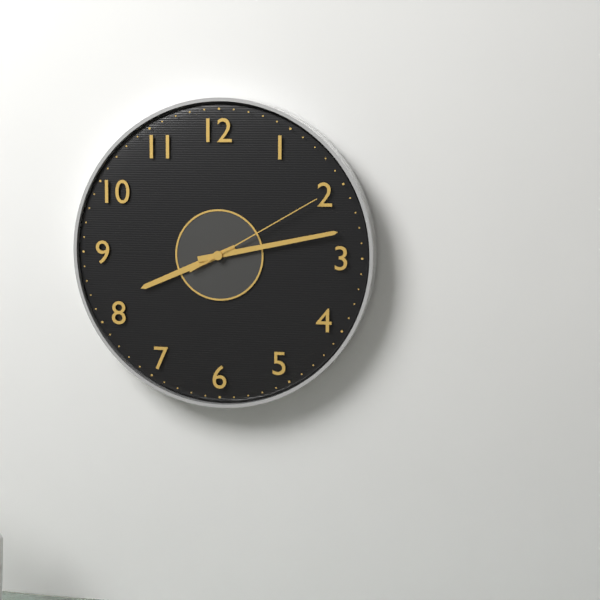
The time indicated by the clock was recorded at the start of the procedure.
8:13:10
